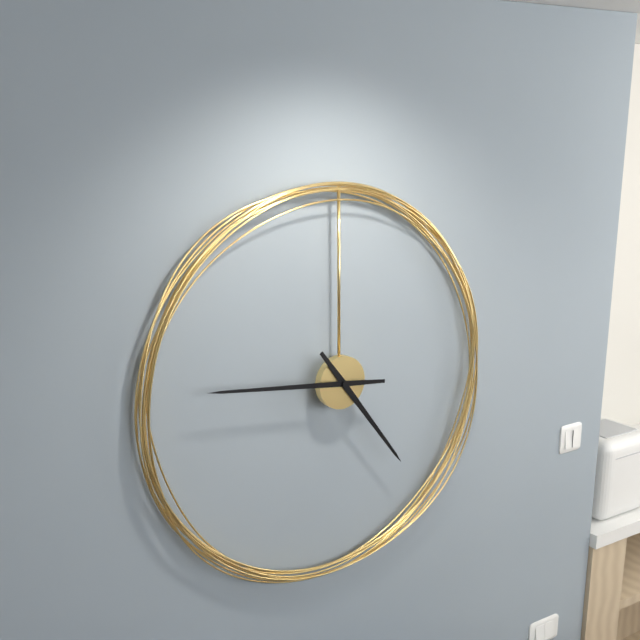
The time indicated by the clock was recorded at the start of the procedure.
4:46
